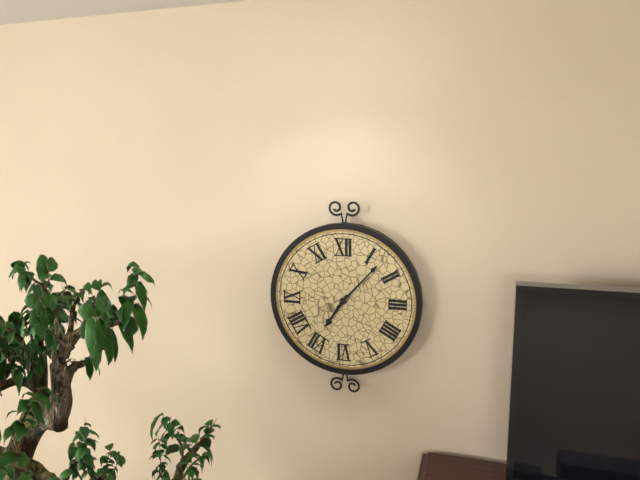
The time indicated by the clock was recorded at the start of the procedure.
7:07
